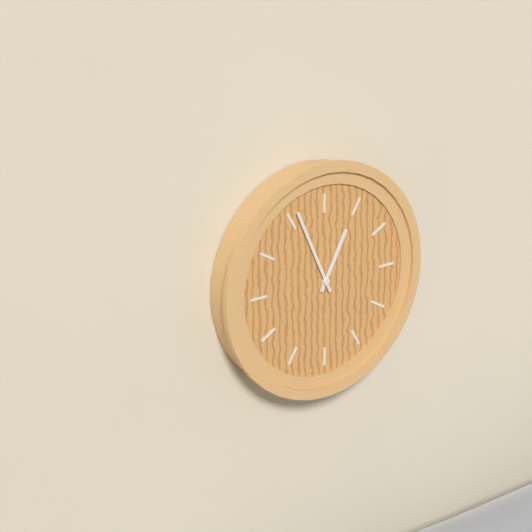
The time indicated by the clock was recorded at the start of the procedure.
12:56
